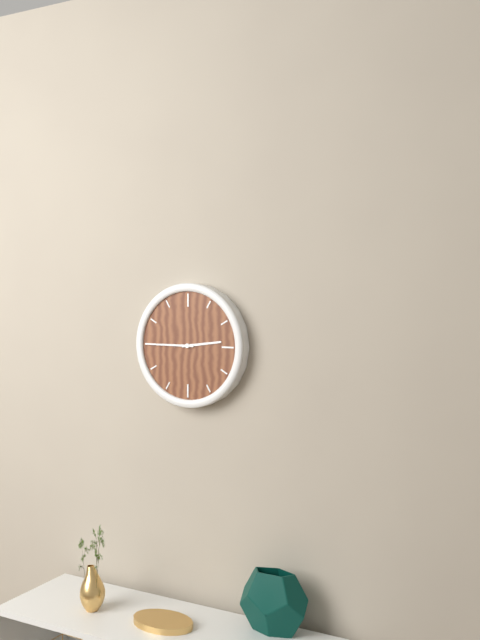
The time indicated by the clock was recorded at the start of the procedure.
2:45
